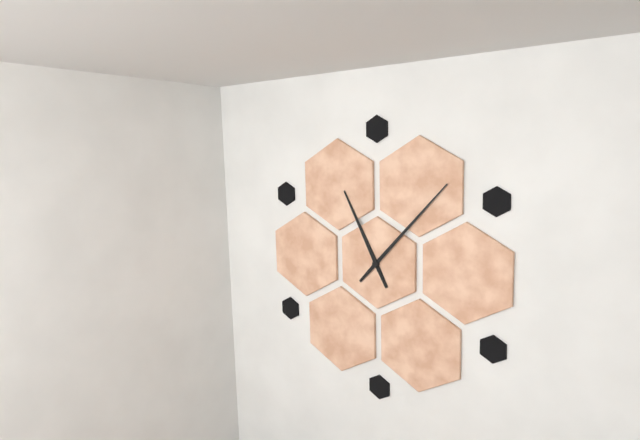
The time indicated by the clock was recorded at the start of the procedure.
11:07
